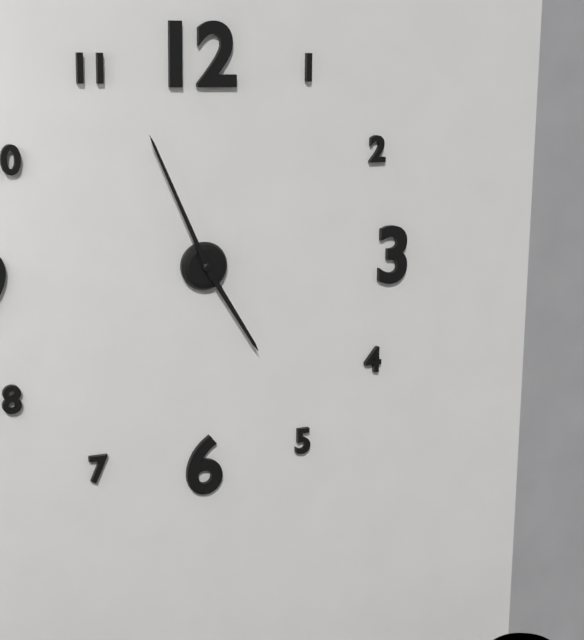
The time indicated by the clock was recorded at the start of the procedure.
4:56
